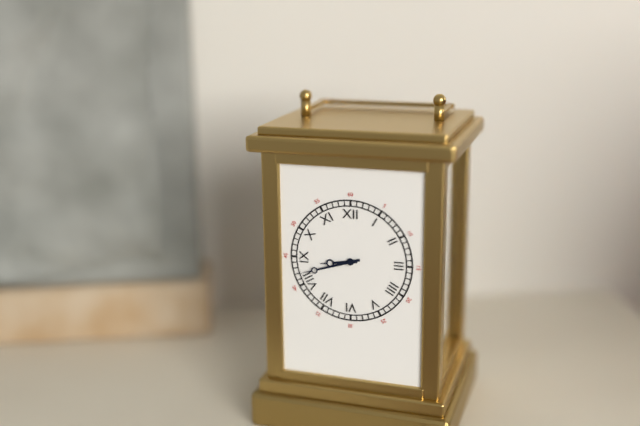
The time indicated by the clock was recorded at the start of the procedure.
8:42
